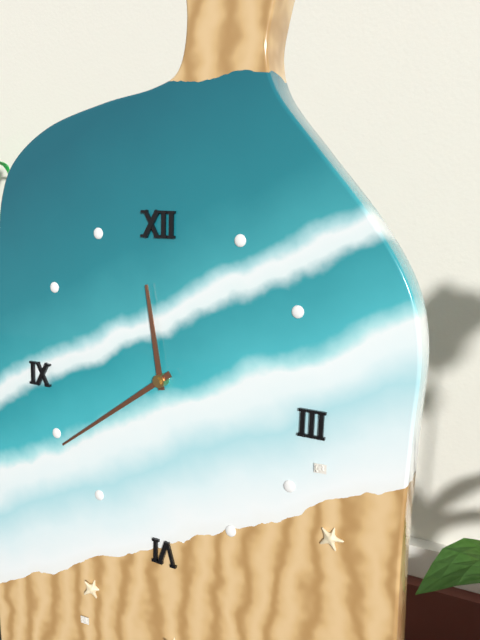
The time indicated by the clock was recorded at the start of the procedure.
11:39
